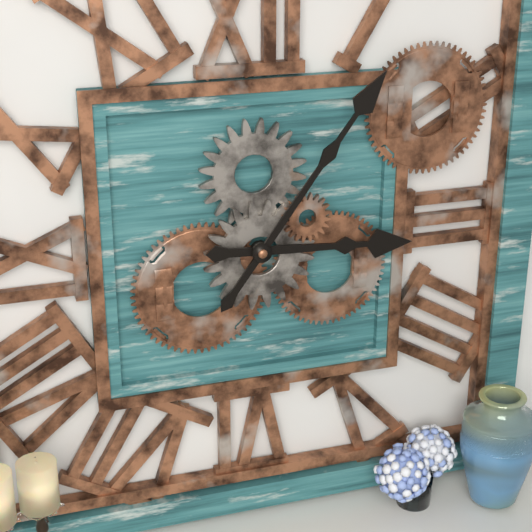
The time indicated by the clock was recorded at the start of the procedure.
3:06
